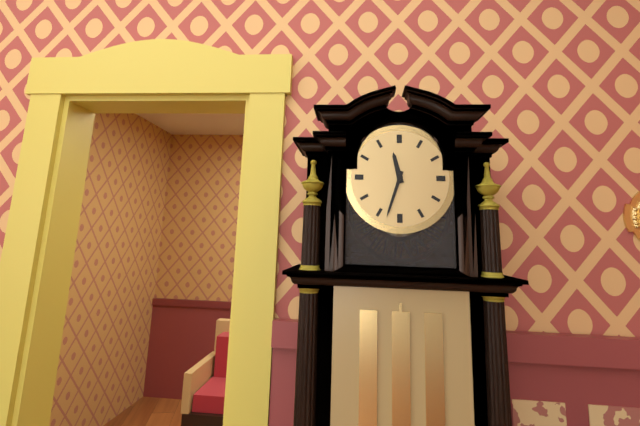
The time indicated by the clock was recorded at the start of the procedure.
11:33
